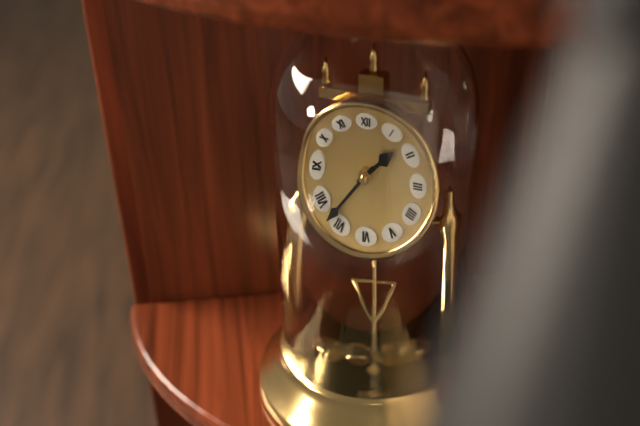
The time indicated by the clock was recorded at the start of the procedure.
1:37
